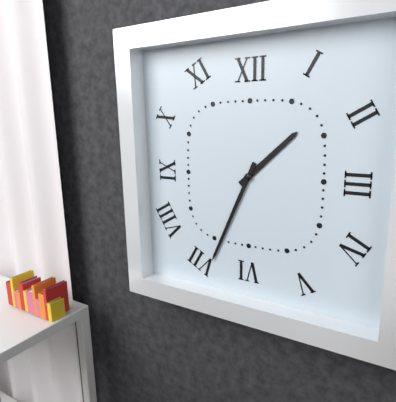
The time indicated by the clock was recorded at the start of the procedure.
1:34
